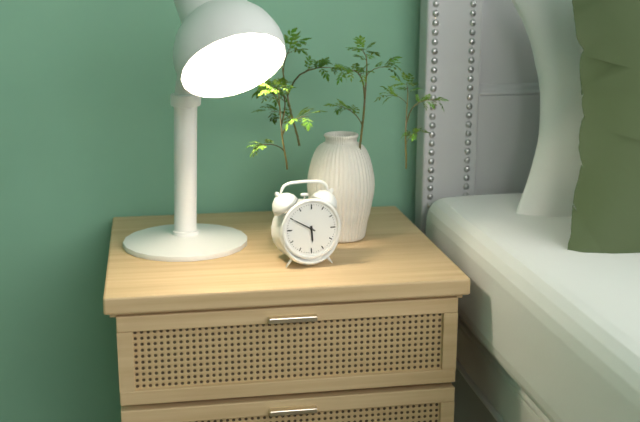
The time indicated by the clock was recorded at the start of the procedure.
5:50
